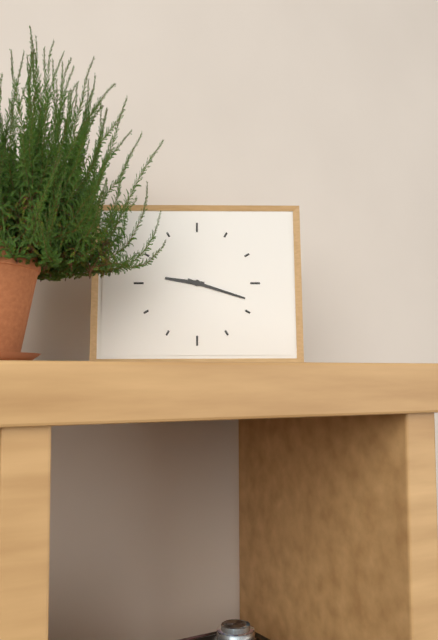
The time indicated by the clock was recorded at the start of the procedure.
9:18
